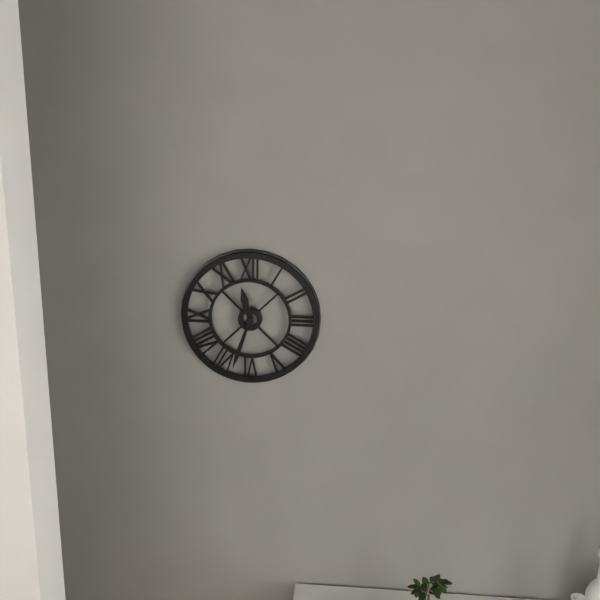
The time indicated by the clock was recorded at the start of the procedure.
11:33
